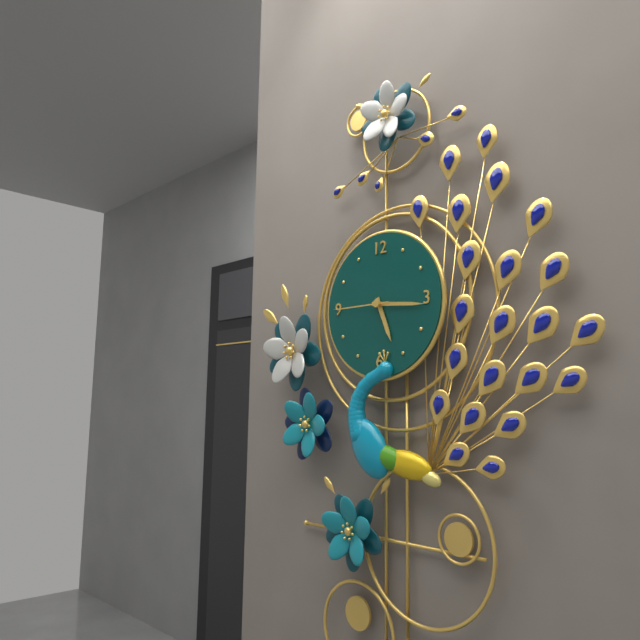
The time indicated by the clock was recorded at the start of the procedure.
5:16:45
